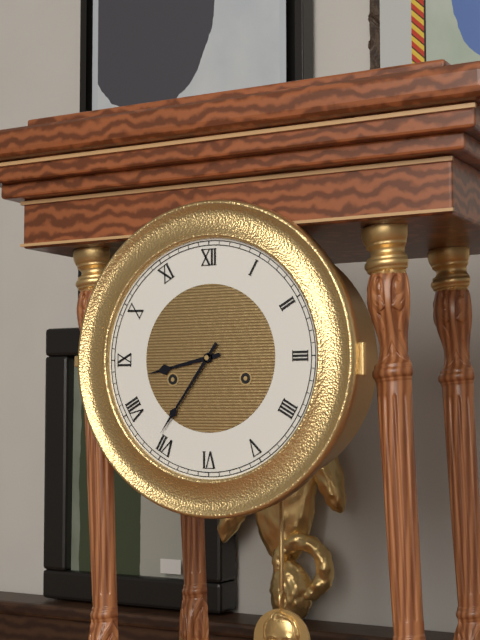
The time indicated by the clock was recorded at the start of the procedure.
8:36
